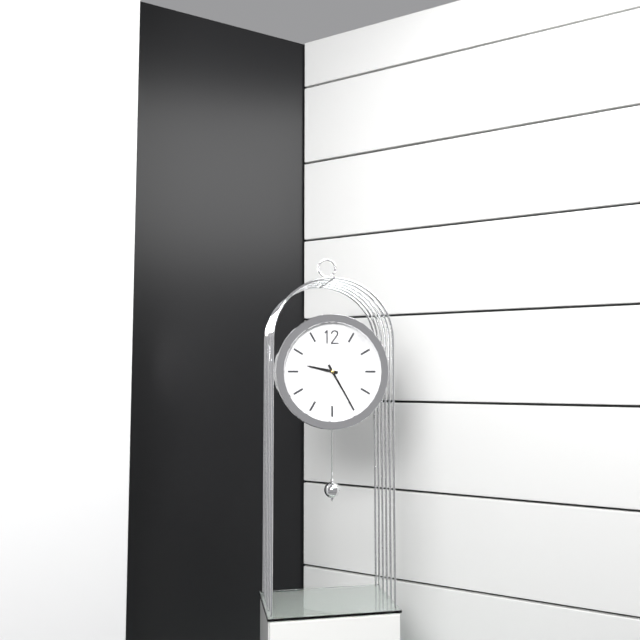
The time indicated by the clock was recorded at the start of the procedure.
9:25
